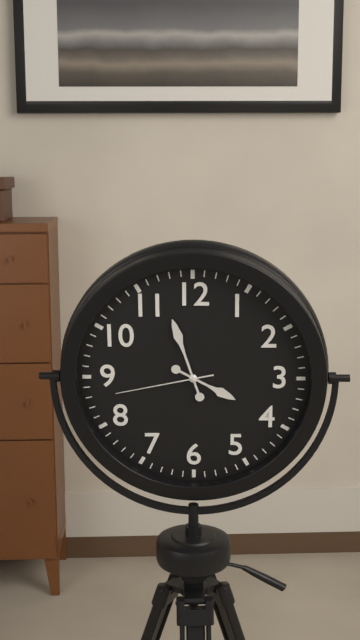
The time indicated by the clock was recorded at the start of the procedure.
3:57:43
